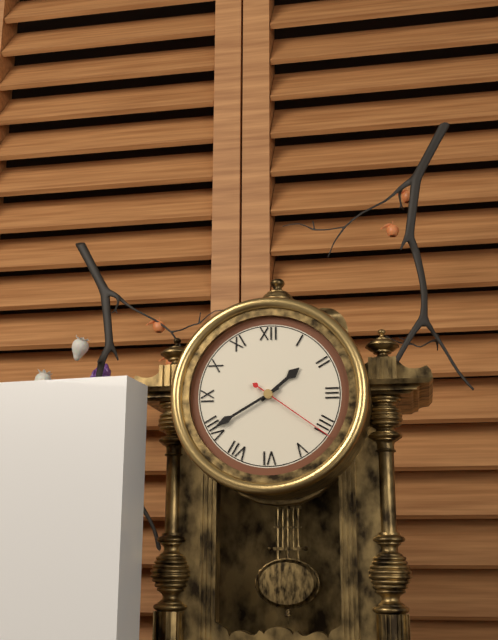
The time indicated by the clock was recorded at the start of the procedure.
1:40:21
